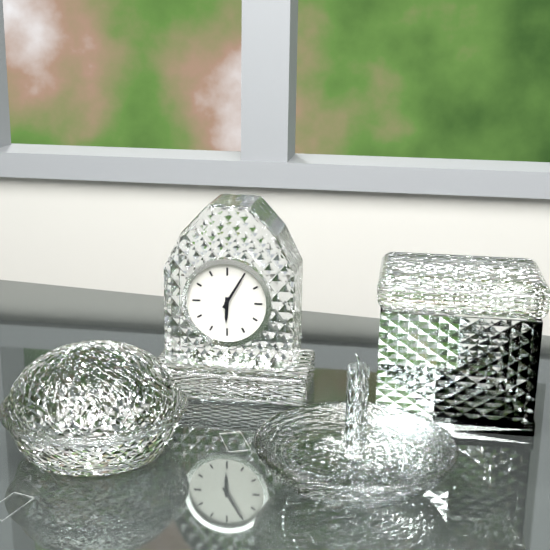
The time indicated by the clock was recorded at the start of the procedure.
6:05
